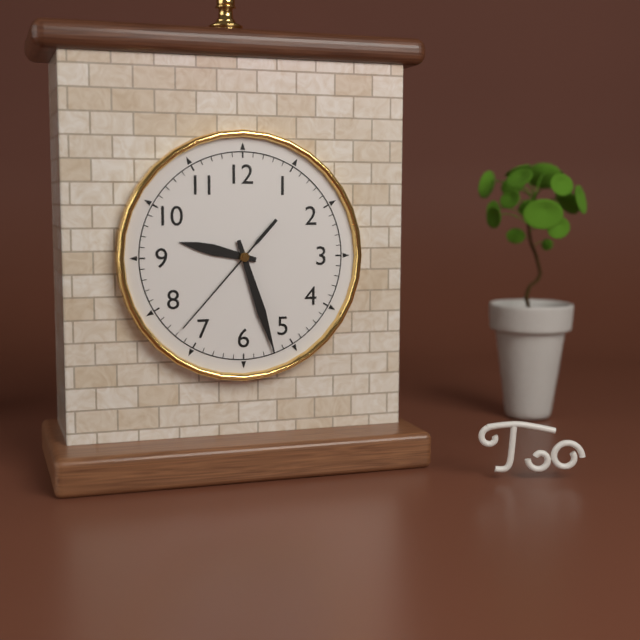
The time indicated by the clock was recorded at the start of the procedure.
9:27:37
